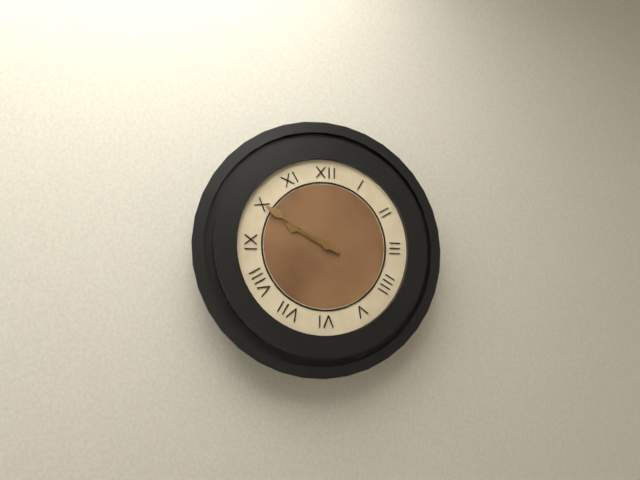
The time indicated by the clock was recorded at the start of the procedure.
9:50
